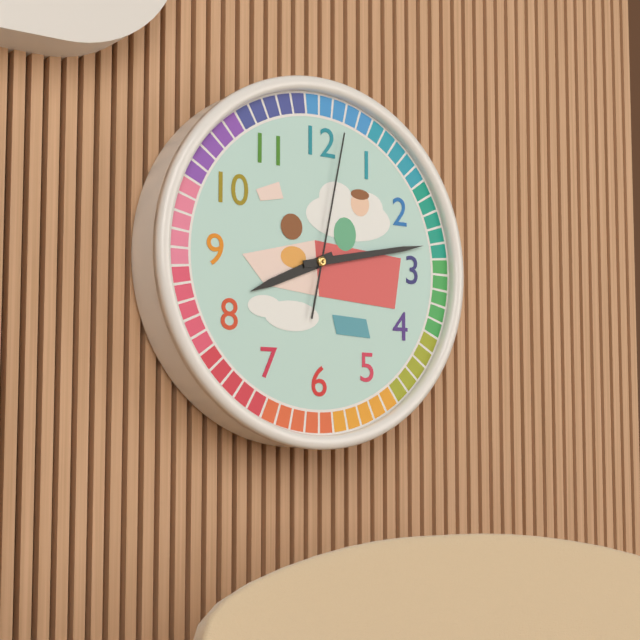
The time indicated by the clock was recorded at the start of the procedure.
8:13:02
